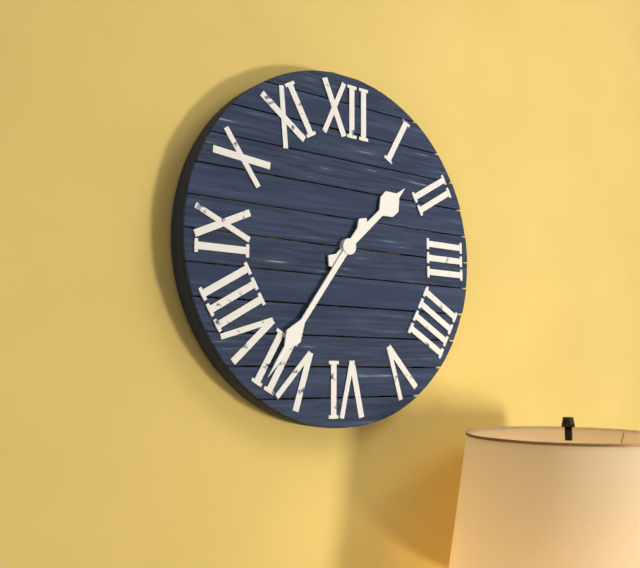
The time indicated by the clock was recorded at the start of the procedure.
1:36
